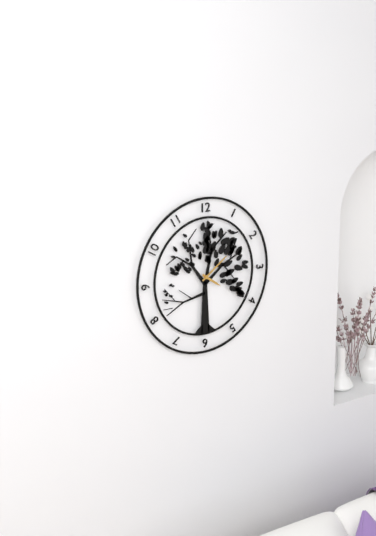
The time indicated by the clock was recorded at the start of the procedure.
4:09
